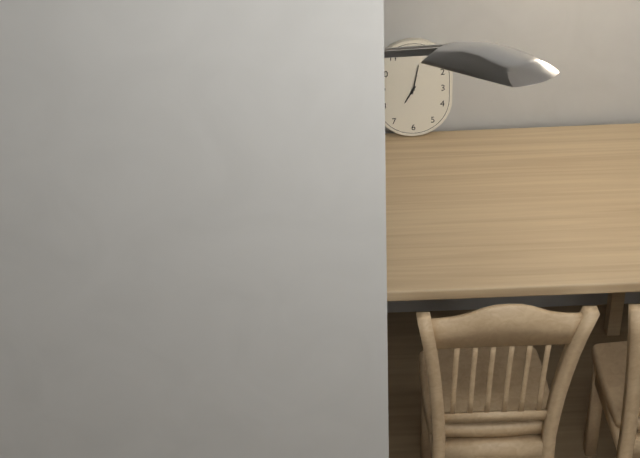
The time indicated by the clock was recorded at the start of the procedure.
7:02
